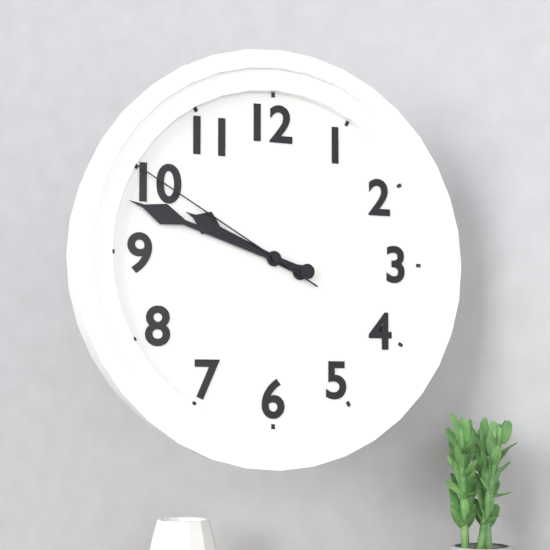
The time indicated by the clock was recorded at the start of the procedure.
9:48:50
